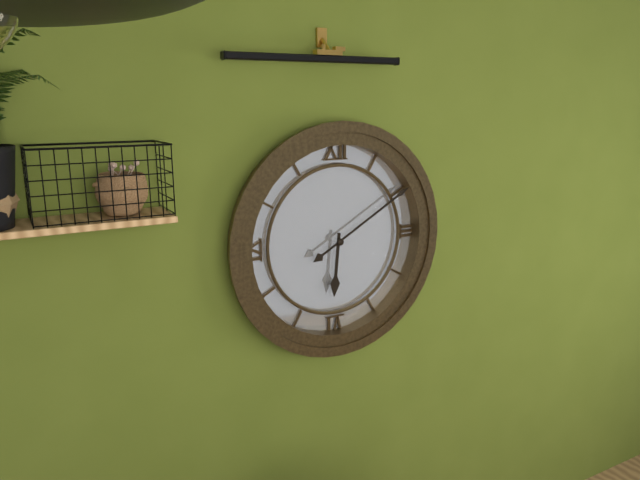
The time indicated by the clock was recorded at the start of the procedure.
6:10
